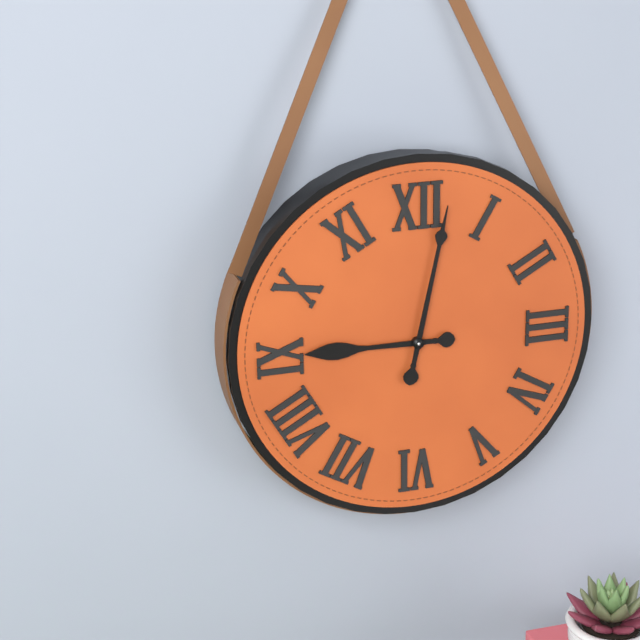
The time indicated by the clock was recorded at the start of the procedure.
9:02
